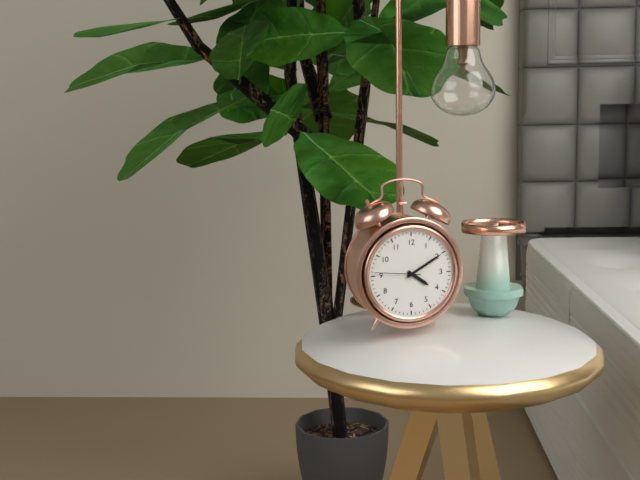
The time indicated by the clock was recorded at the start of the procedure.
4:10
